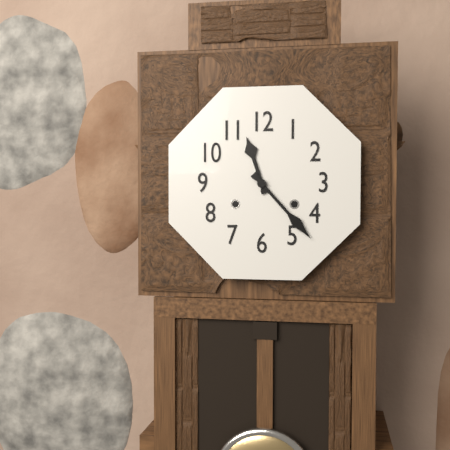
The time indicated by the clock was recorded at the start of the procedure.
11:23
